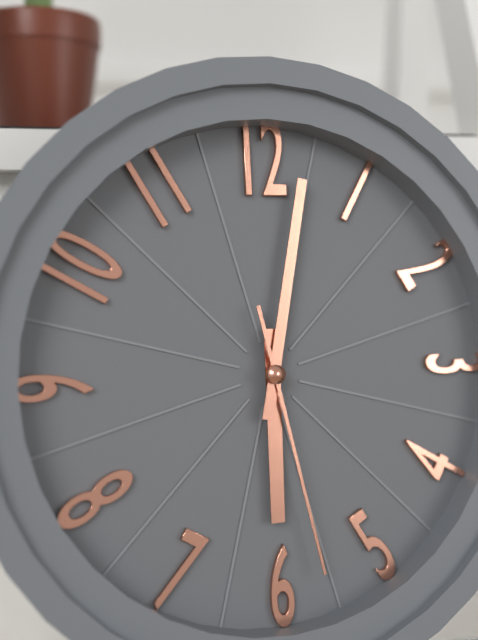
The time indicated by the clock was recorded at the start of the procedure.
6:02:28
